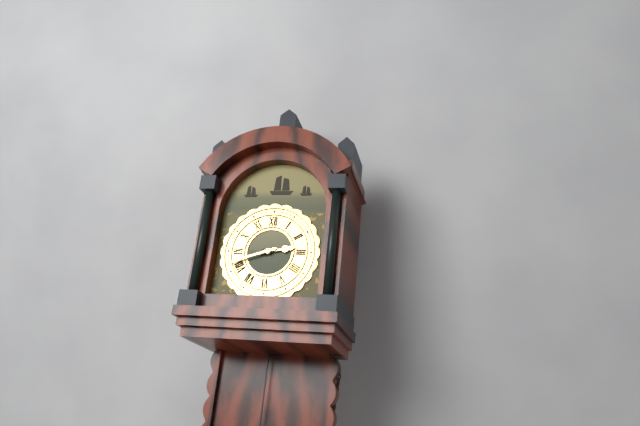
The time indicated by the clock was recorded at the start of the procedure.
2:42
